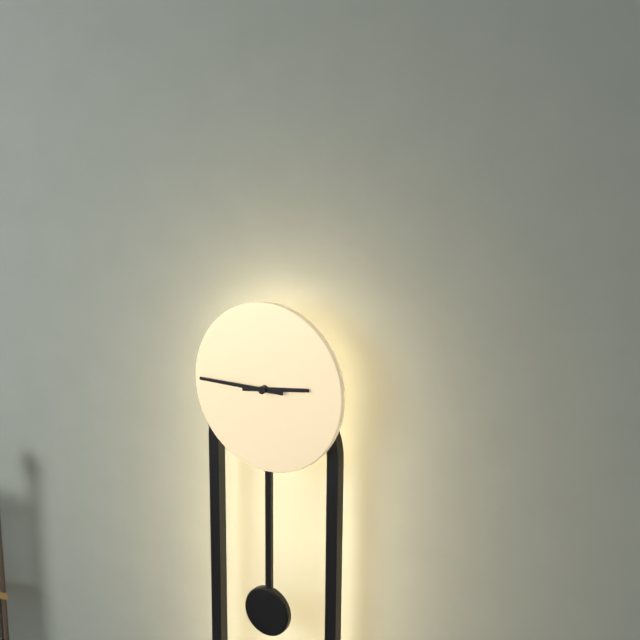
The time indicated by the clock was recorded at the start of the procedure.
2:45
